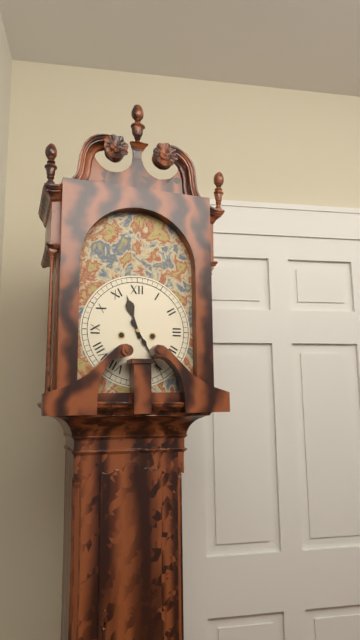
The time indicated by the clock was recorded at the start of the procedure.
11:25
